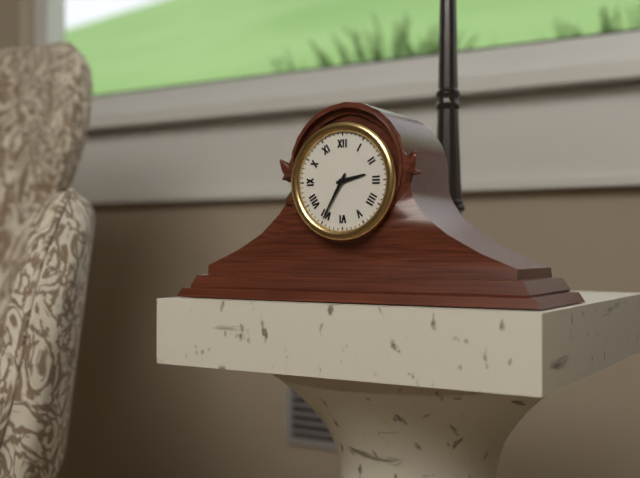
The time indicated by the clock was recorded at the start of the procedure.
2:35
